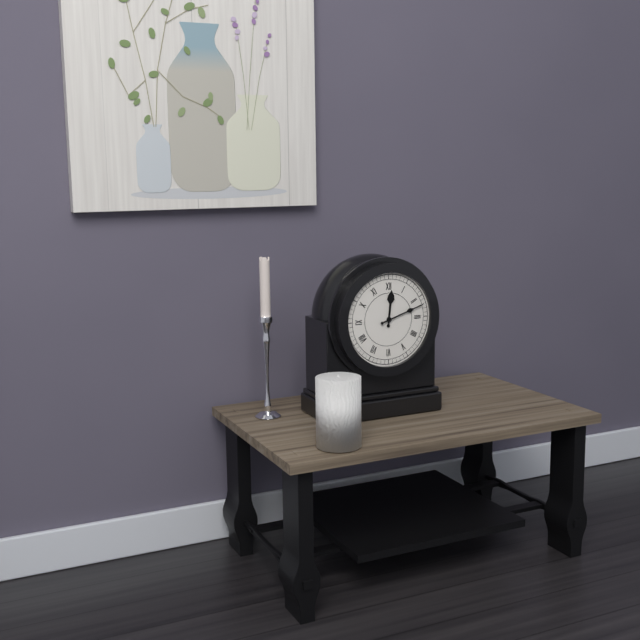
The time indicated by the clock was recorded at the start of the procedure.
12:12
